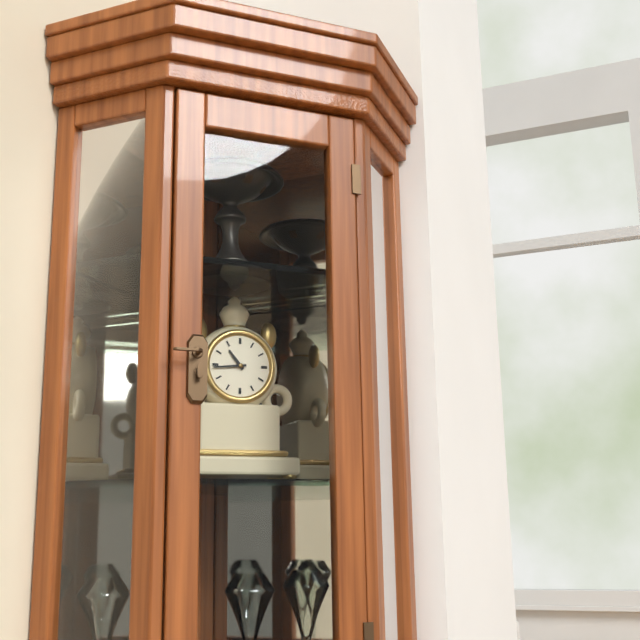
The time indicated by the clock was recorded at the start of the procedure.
10:44
